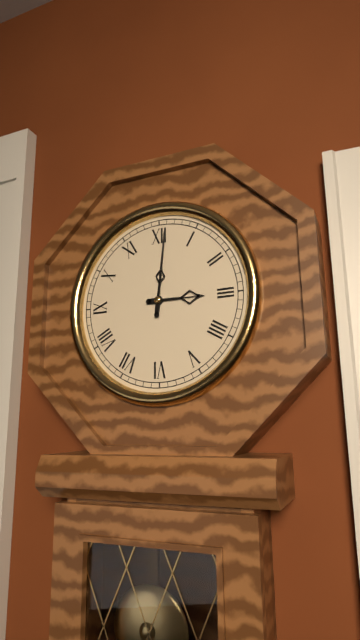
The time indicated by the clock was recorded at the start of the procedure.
3:01
